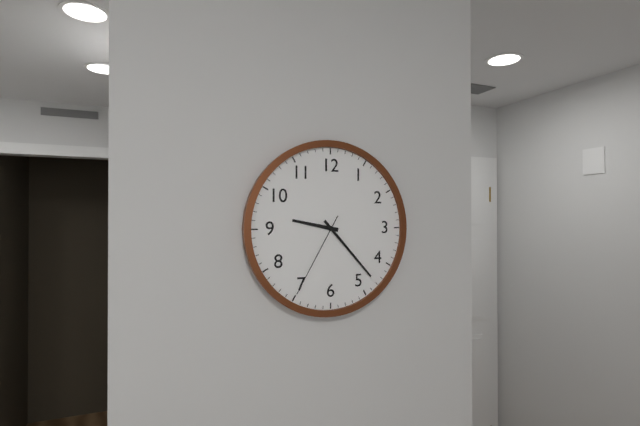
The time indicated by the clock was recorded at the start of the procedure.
9:23:35
